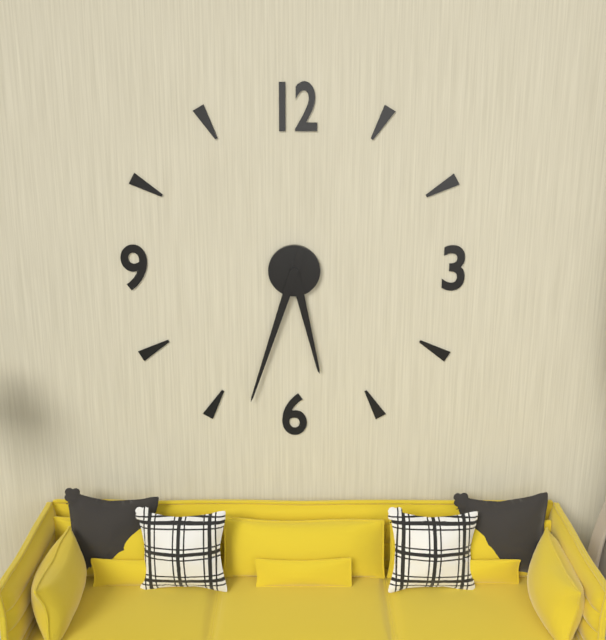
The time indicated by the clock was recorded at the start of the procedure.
5:33
